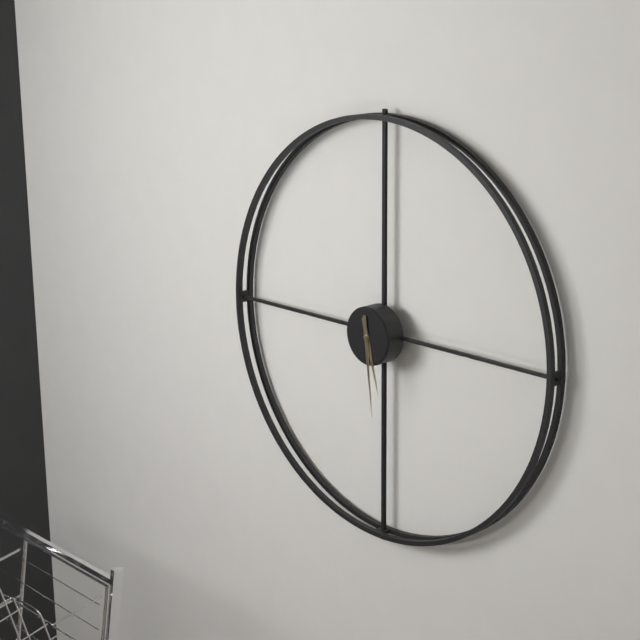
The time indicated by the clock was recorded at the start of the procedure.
5:29
